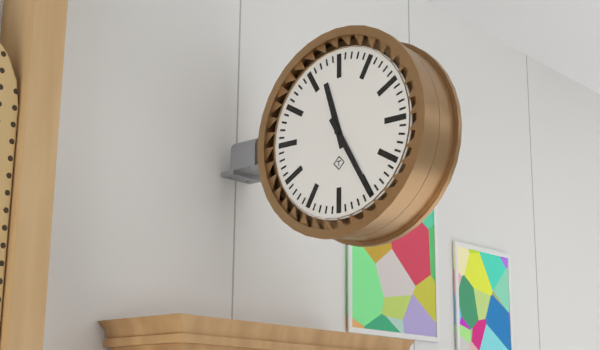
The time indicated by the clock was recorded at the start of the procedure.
11:25
